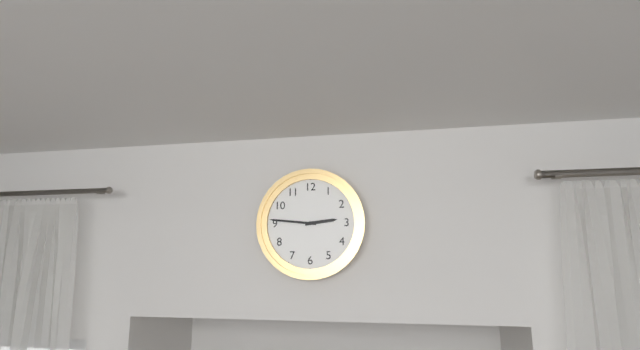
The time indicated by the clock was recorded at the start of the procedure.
2:46
